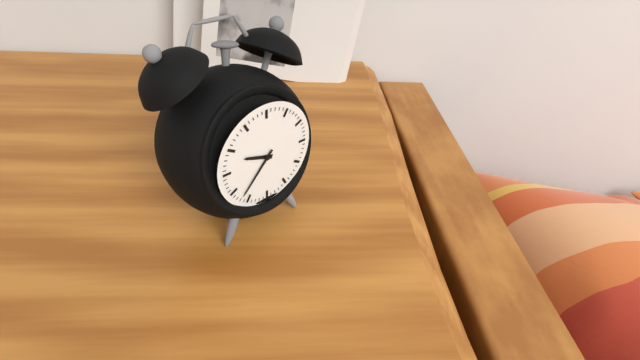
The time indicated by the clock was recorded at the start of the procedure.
9:37
